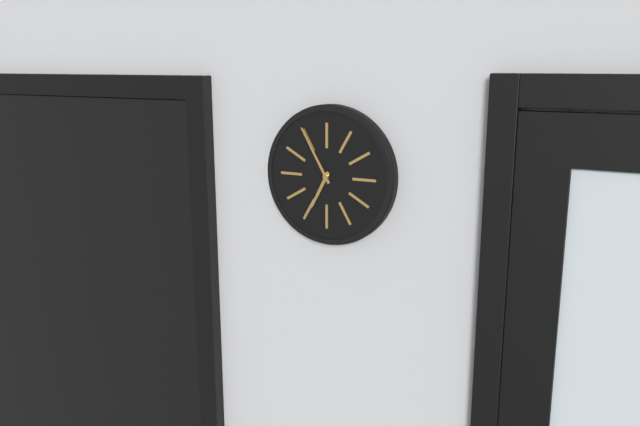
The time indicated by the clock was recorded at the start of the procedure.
6:55
